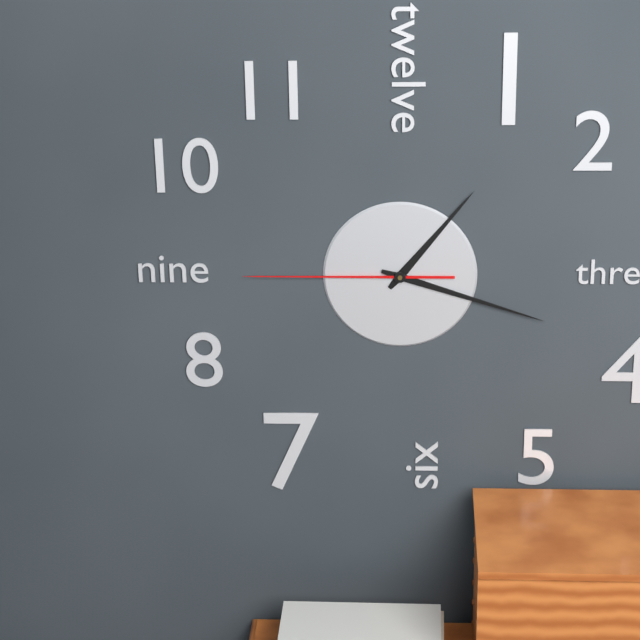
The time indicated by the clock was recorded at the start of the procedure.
1:18:45
